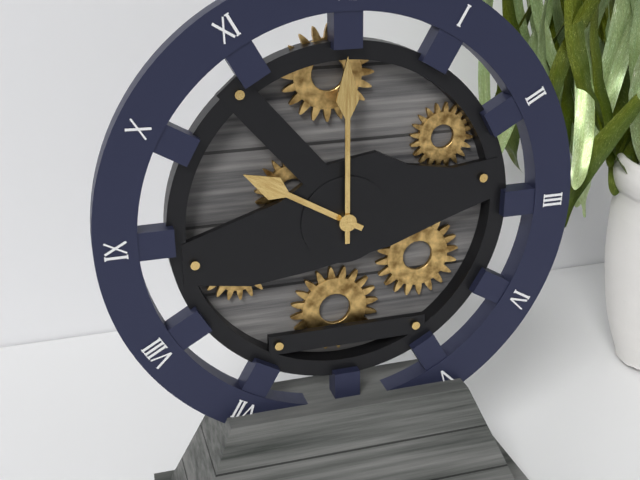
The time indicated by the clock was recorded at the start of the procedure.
10:00
